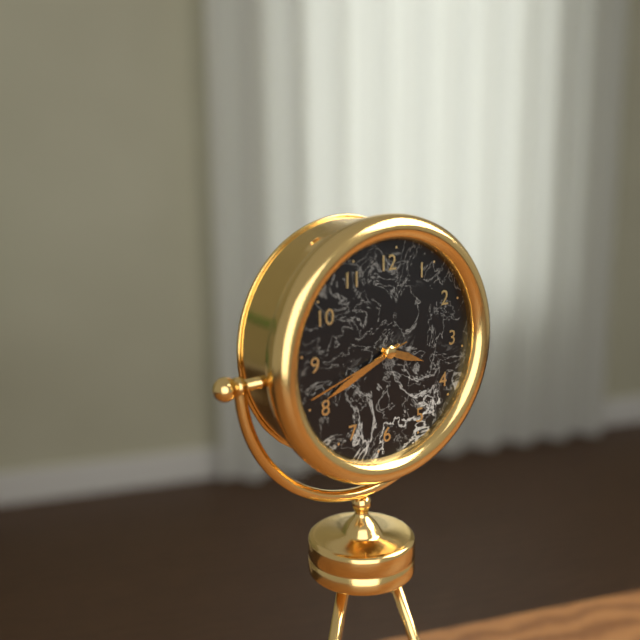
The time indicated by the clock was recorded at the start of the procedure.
3:41:42
